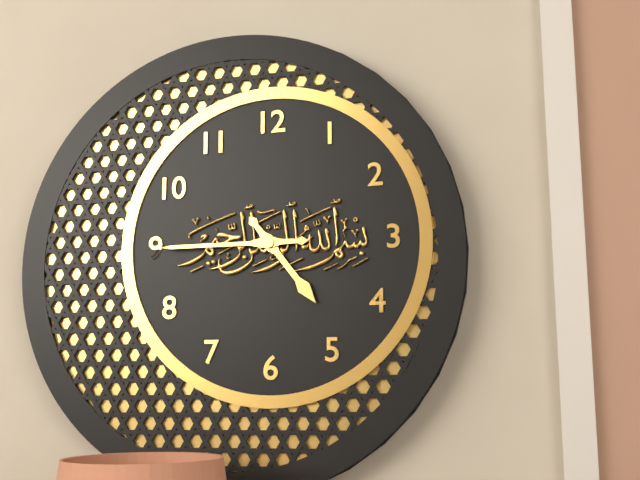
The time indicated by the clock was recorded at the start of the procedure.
4:45
